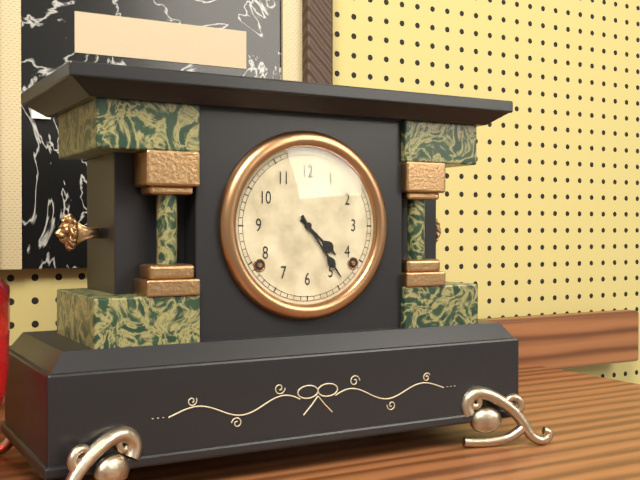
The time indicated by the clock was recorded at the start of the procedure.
4:24
